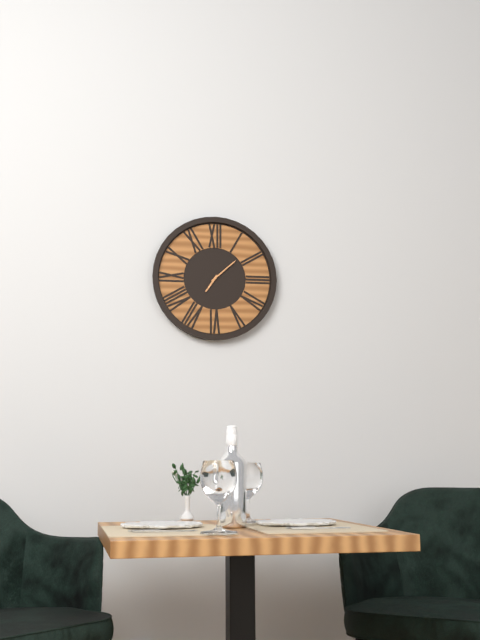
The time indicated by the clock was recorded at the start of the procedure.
7:08
